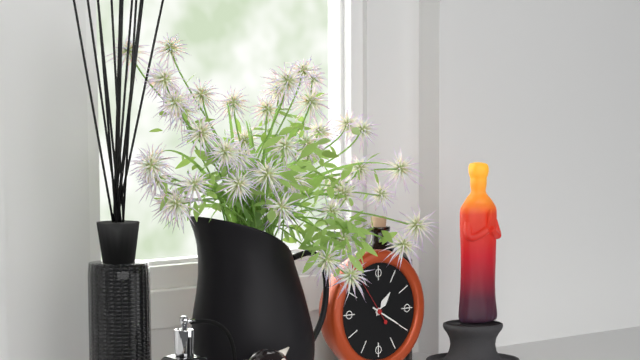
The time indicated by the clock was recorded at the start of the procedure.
1:20:54
